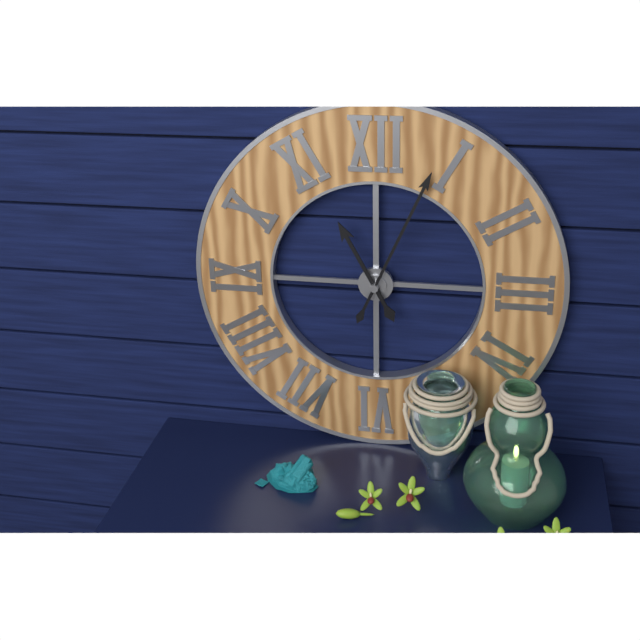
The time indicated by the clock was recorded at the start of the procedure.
11:04
